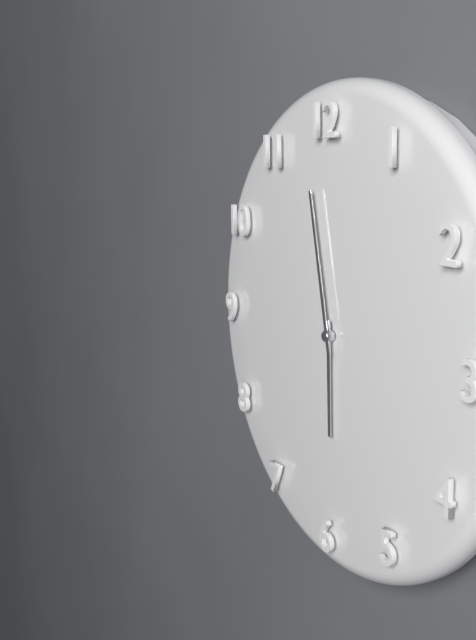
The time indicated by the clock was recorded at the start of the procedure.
5:58
